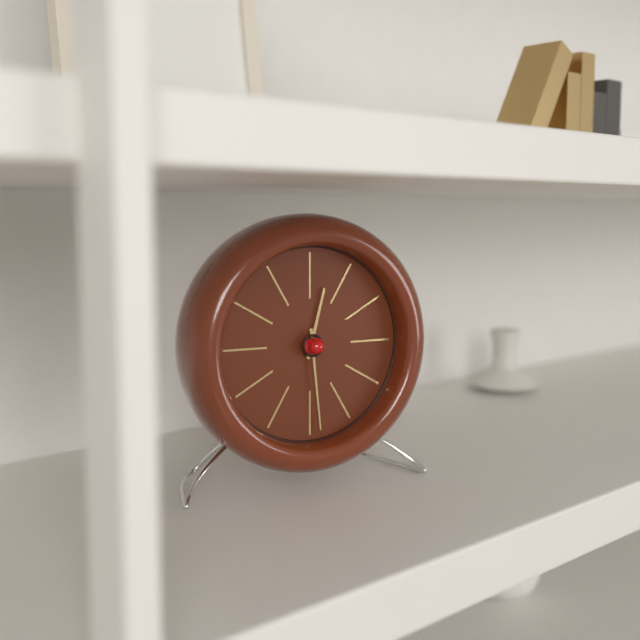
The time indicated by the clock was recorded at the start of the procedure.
12:29
